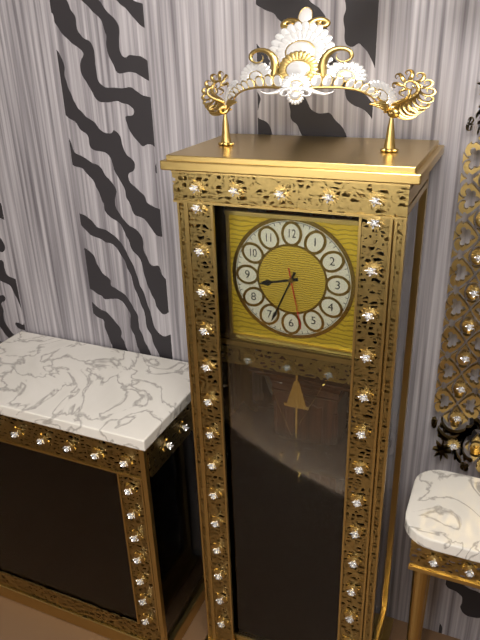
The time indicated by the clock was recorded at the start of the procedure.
8:34:28
